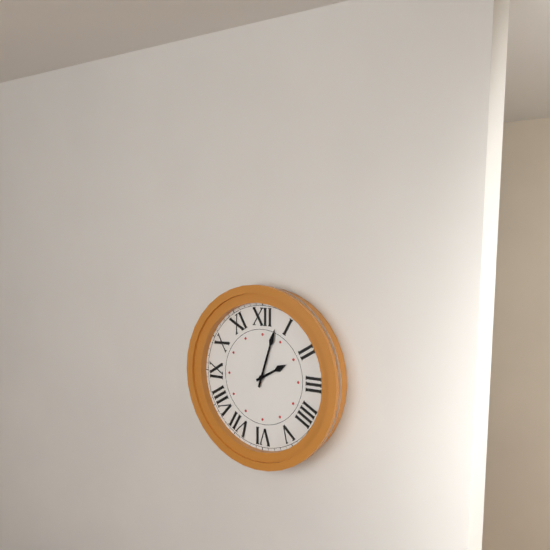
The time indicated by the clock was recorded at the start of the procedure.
2:03
